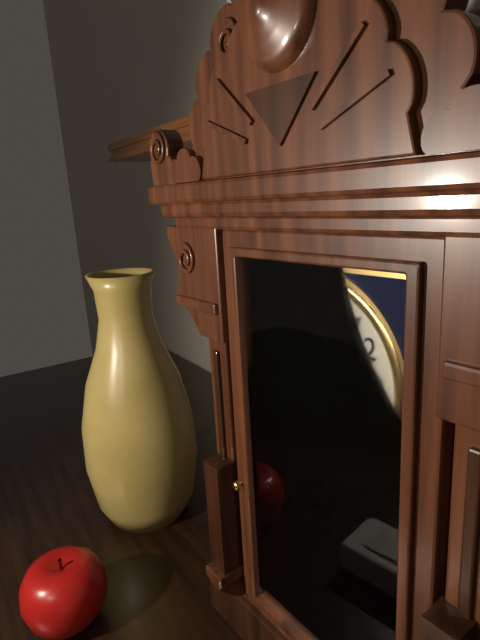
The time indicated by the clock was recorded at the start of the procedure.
10:06
